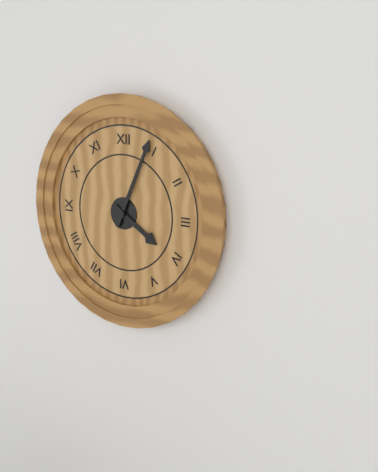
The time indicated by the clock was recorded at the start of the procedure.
4:04
